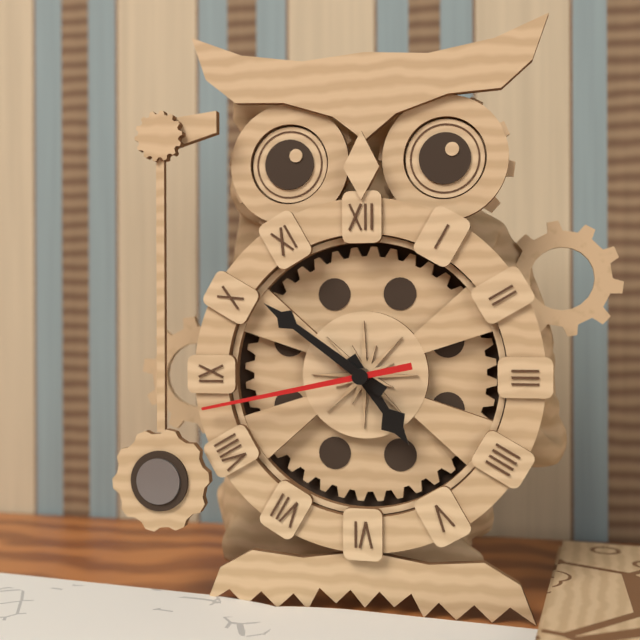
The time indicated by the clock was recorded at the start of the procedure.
4:51:43
